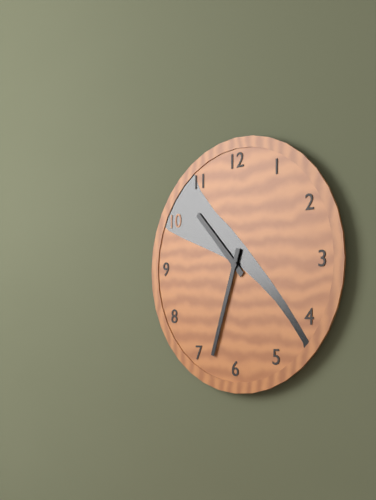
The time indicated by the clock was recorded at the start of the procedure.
10:33
